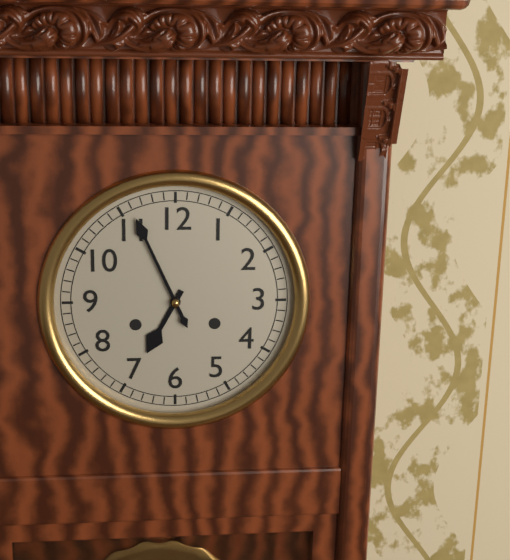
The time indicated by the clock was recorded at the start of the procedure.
6:56
